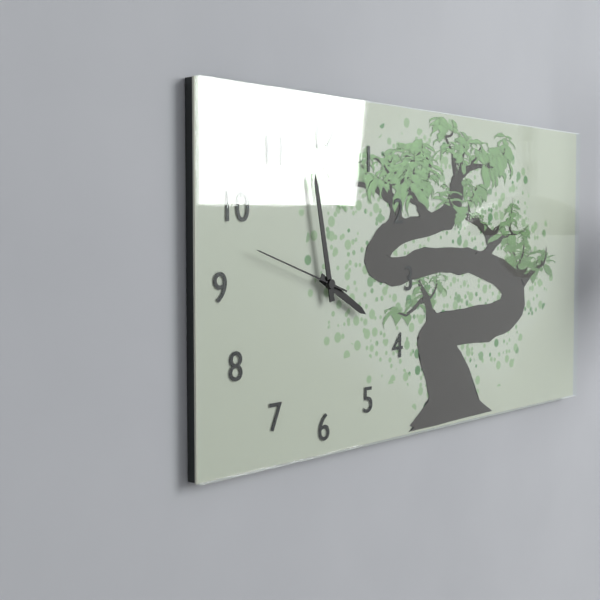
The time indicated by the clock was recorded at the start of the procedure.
3:58:48
